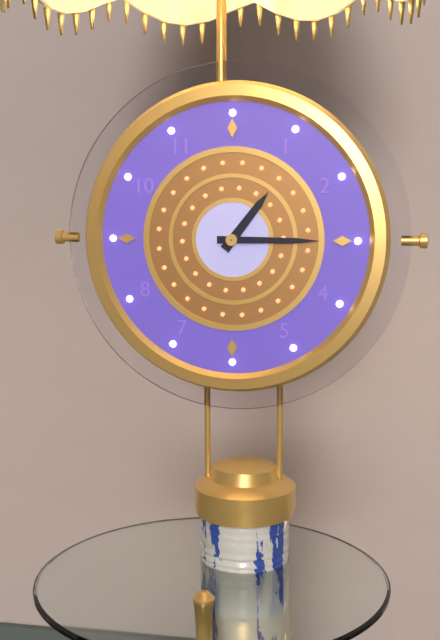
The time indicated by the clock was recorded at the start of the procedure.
1:15
